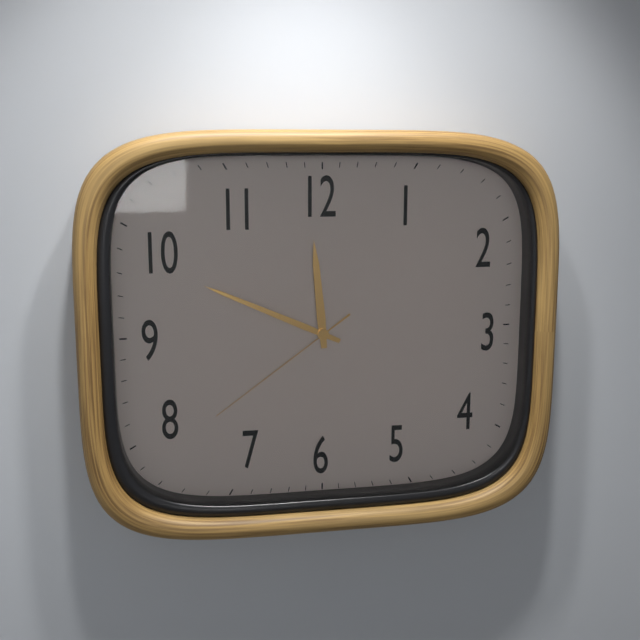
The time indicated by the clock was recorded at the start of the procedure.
11:49:39
